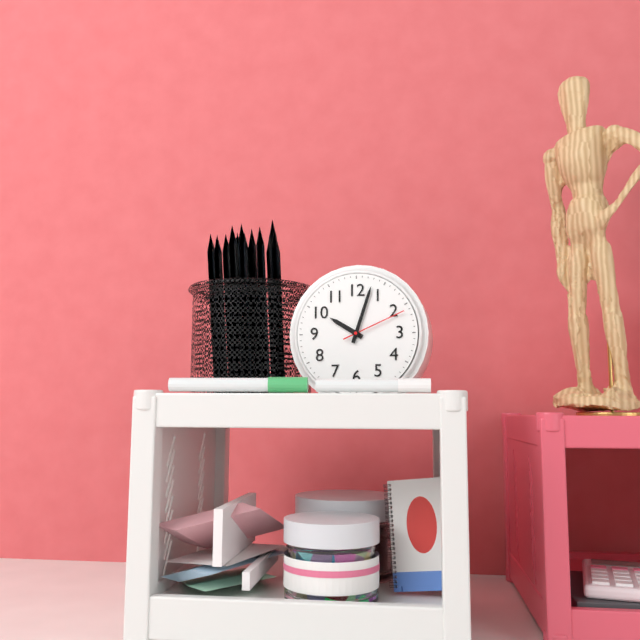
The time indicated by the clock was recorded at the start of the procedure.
10:03:11
